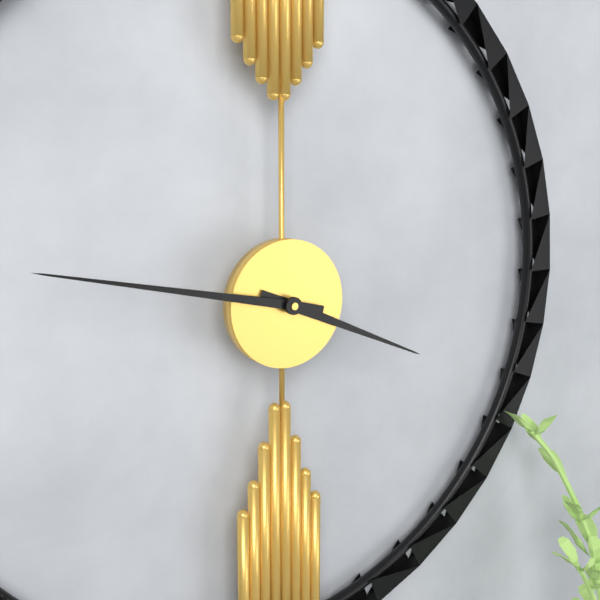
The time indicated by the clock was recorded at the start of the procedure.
3:47
